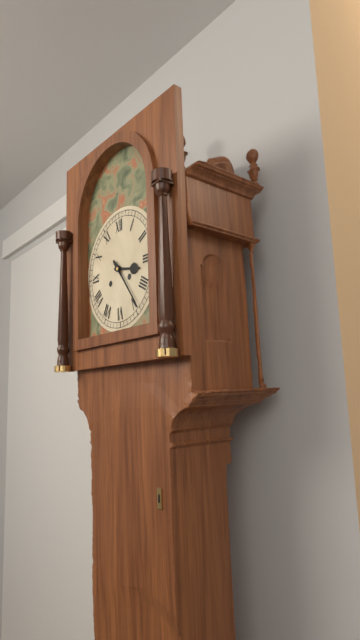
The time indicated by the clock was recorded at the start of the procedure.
3:24
